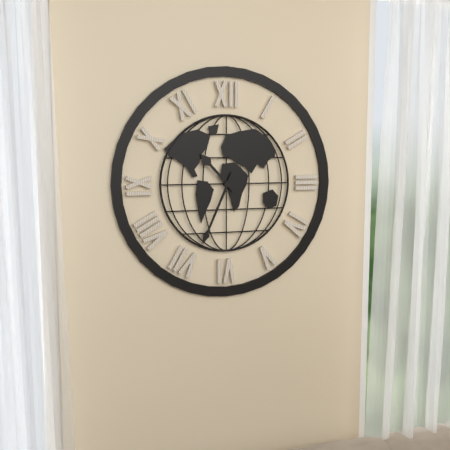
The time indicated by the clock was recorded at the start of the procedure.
10:34
